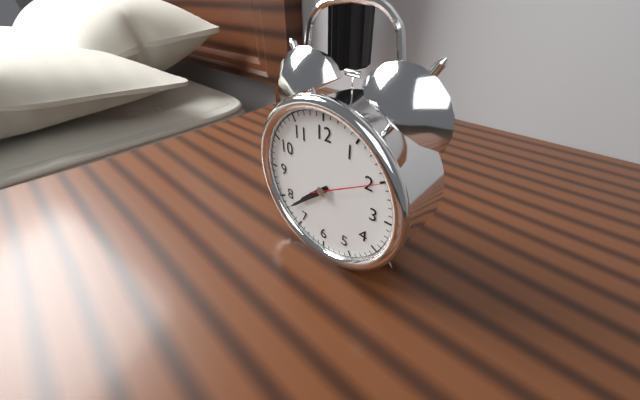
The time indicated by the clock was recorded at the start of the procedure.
7:38:10
